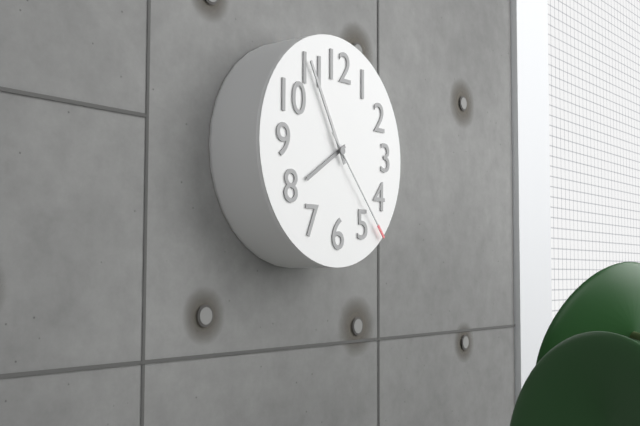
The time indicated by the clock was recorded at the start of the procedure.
7:55:23
